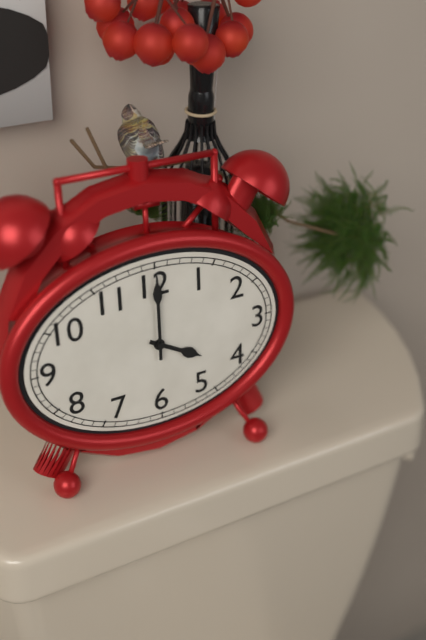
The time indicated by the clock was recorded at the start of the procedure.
4:00
